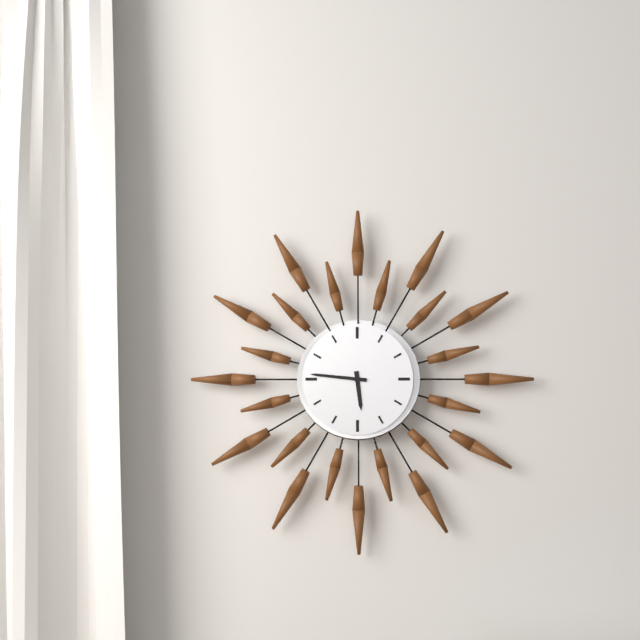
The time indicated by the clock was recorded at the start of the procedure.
5:46
